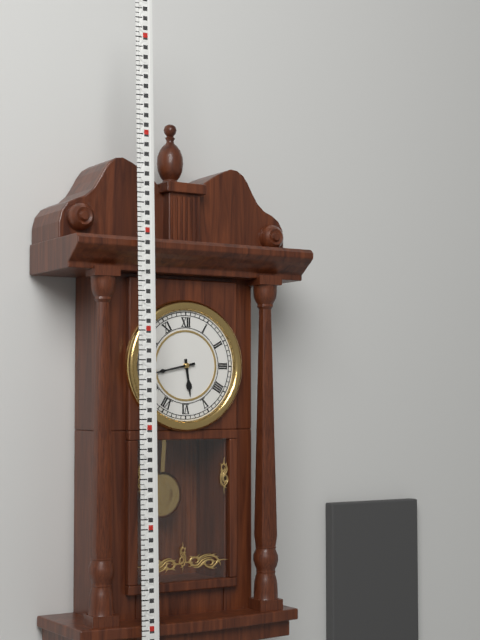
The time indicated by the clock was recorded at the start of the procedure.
5:43
